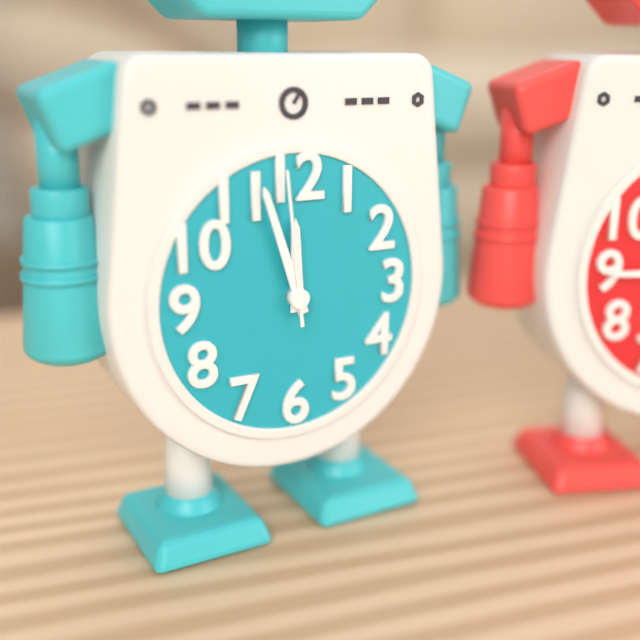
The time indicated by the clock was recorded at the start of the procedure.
11:57:59
